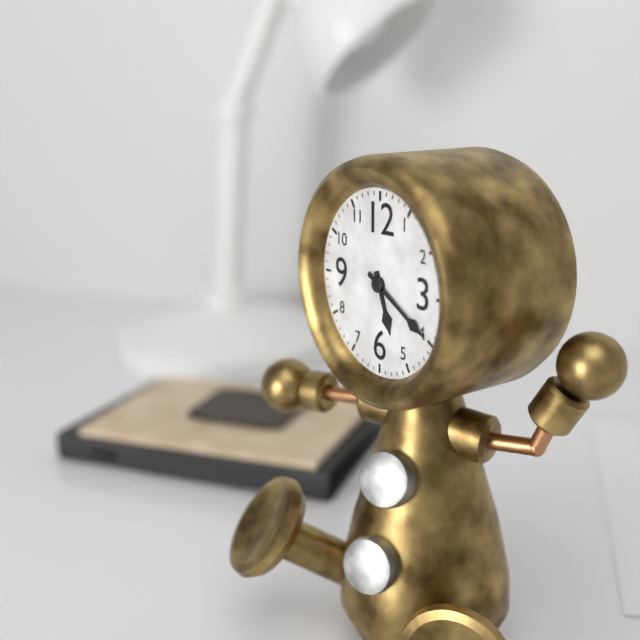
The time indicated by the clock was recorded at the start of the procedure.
5:20
